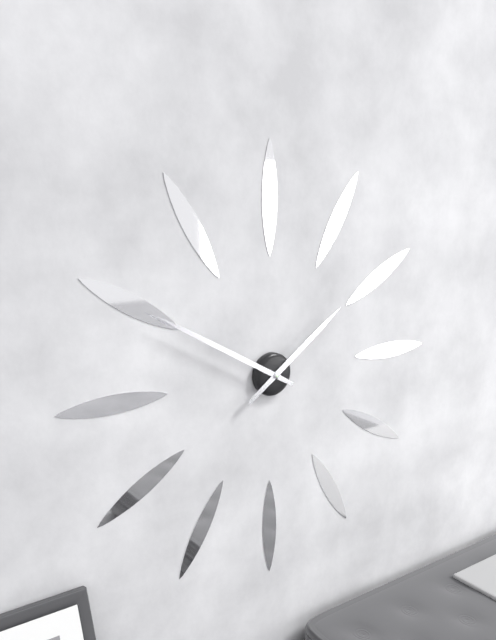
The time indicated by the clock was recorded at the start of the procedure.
1:50
